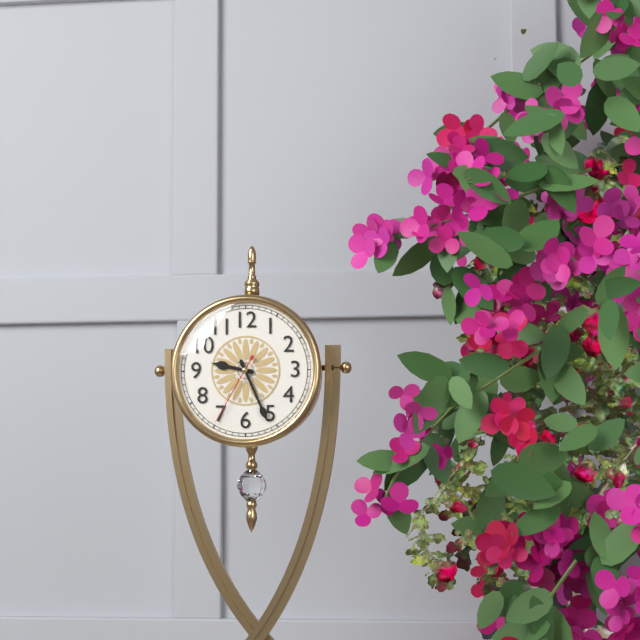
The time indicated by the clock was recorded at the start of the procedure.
9:26:35
